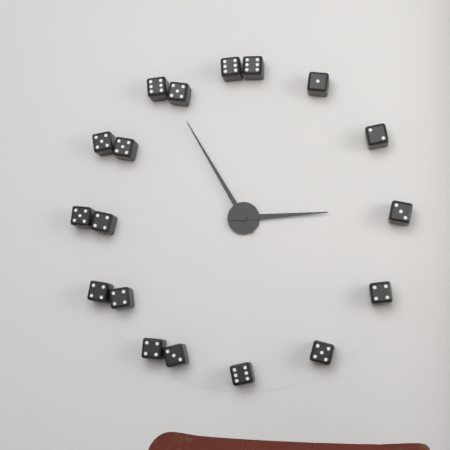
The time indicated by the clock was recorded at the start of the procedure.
2:55
